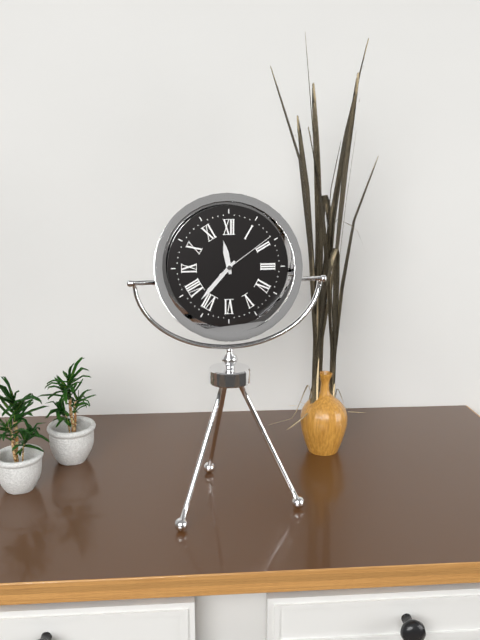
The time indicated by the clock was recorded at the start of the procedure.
11:37:09
